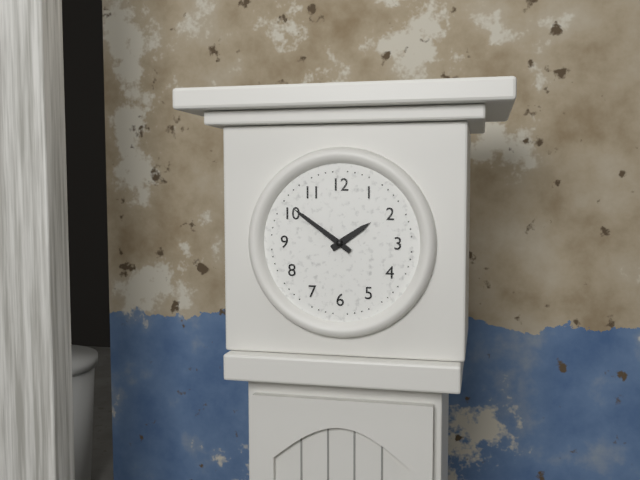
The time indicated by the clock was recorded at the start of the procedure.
1:51
